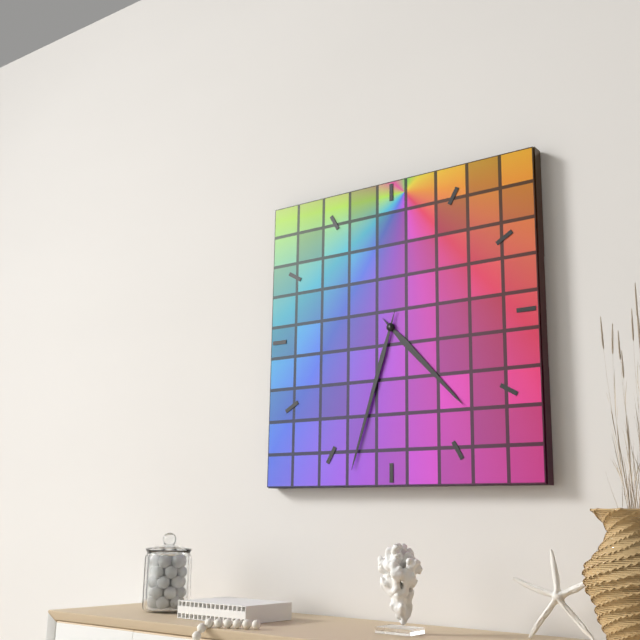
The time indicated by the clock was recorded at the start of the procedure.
4:33
